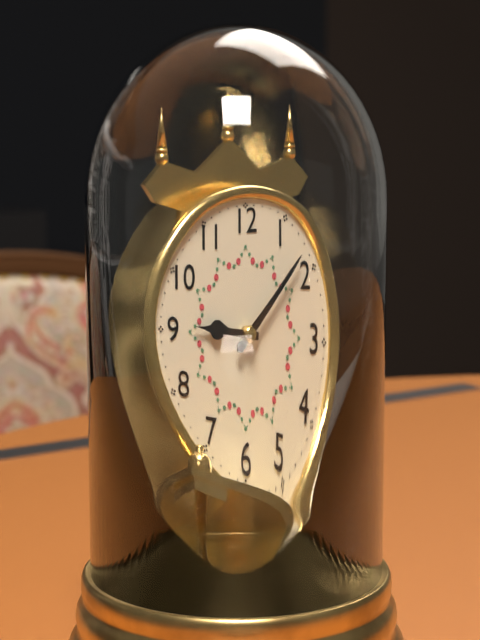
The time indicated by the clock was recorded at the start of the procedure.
9:08
